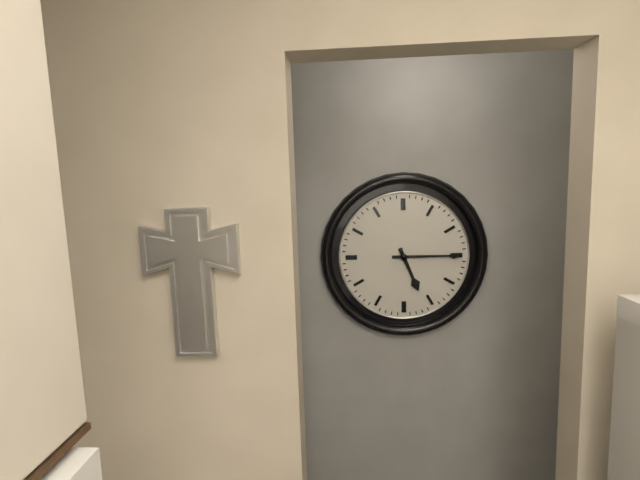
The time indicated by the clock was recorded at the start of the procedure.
5:15
